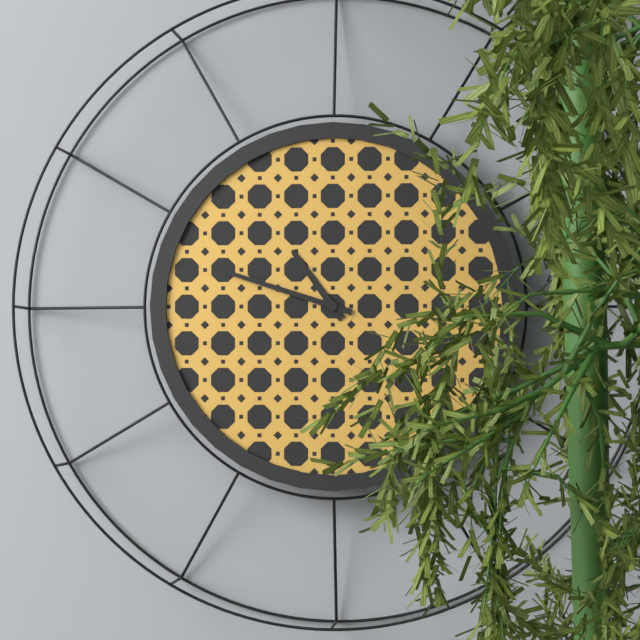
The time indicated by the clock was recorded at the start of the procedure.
10:48
